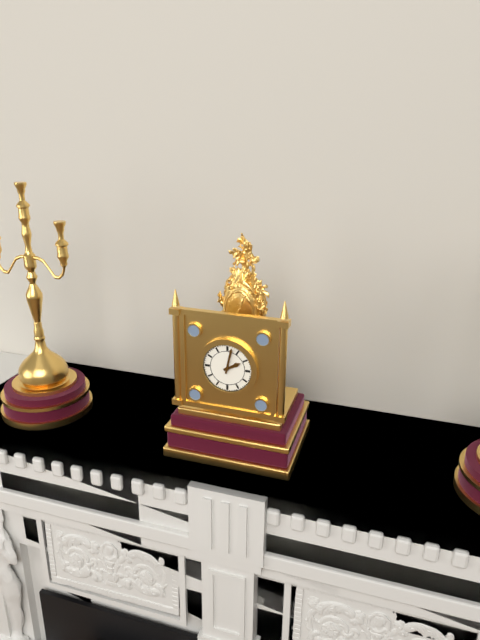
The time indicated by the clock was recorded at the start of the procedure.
2:02
